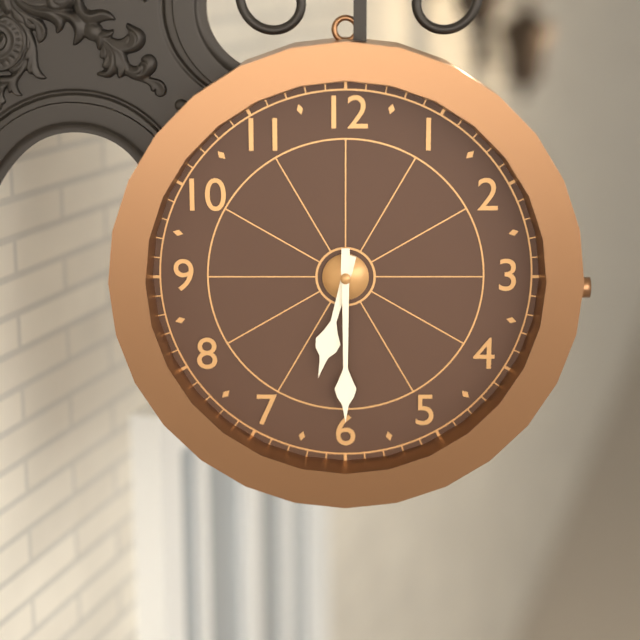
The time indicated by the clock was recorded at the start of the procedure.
6:30
